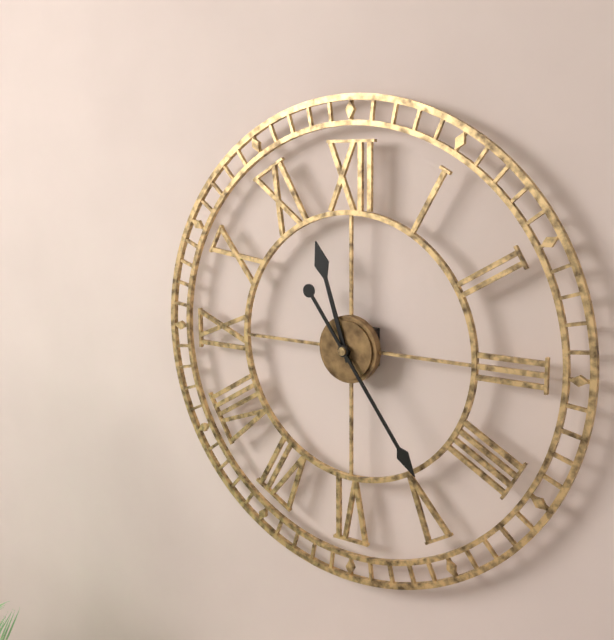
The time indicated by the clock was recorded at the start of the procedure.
11:24
